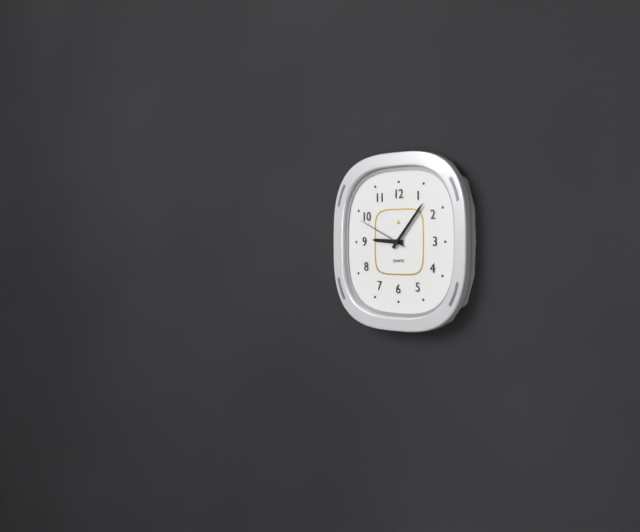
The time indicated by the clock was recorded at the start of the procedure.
9:07:49
